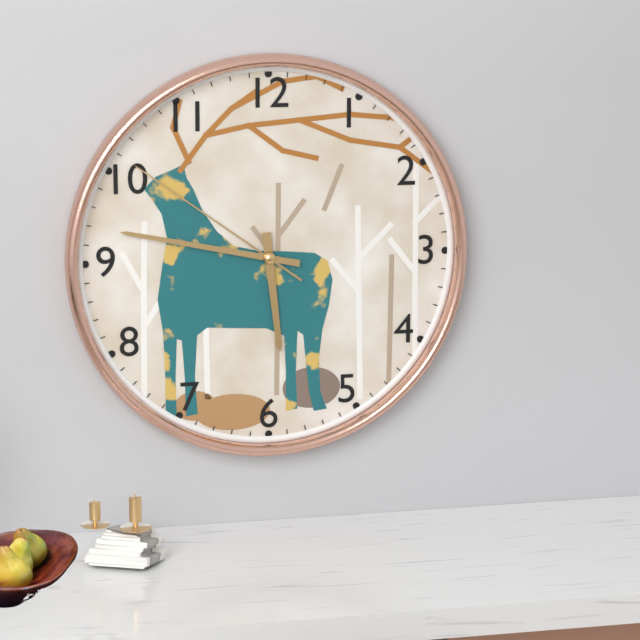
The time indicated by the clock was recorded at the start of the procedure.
5:47:51
